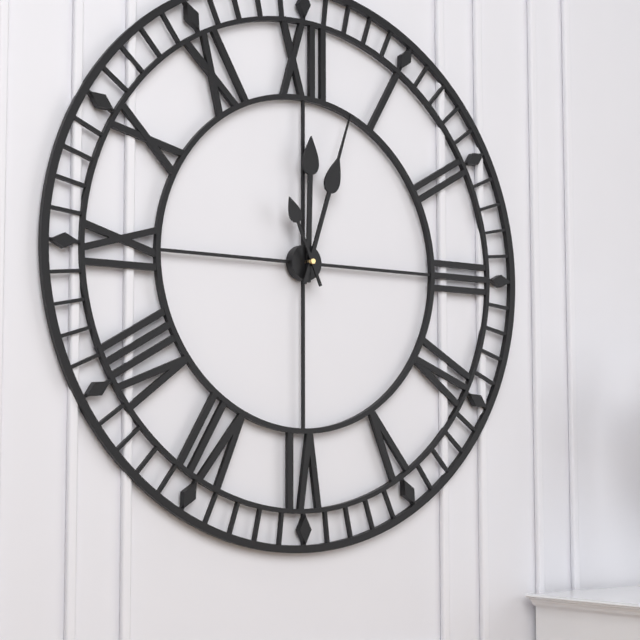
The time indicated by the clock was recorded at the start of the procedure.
12:03:56
